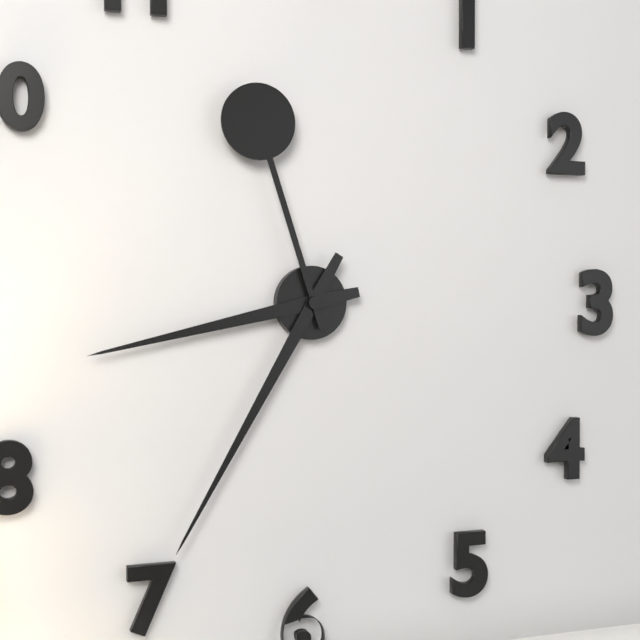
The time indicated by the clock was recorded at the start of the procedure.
8:35:57
